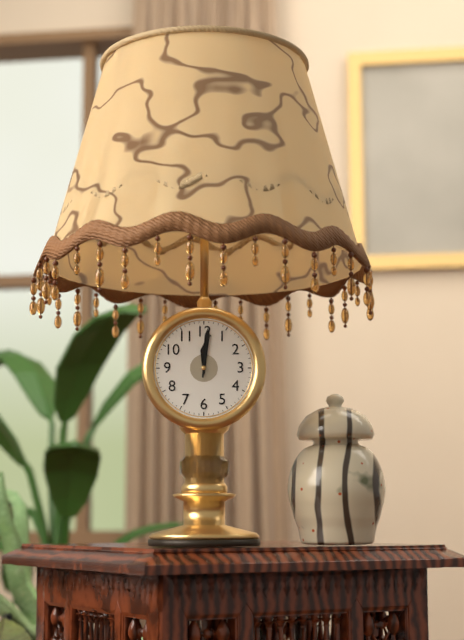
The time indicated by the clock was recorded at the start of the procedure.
12:01
